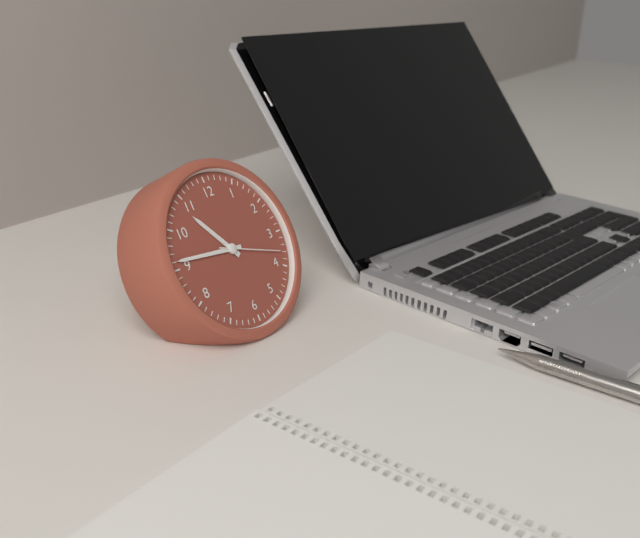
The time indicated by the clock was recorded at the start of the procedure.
10:46:18
